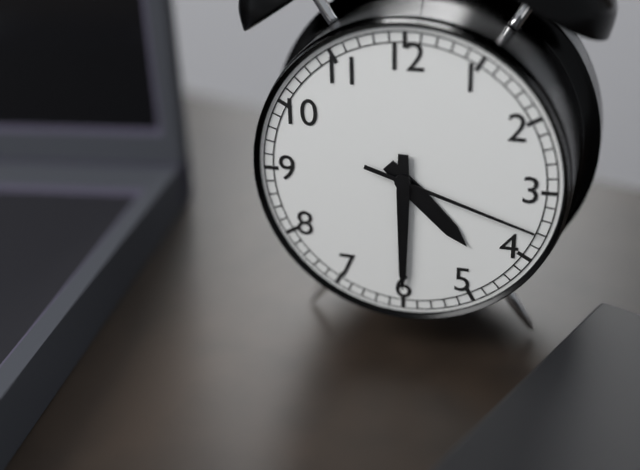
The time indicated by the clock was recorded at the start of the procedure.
4:30:18
